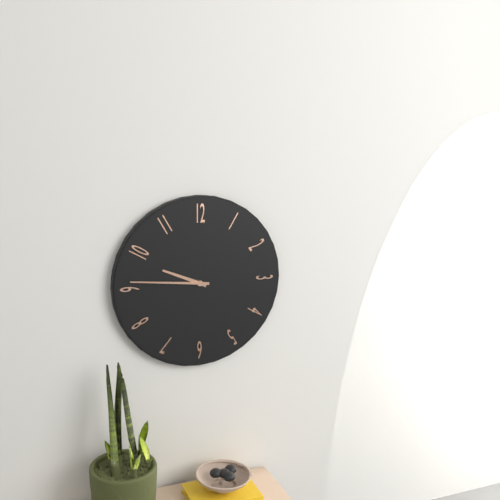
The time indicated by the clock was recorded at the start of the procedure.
9:46
